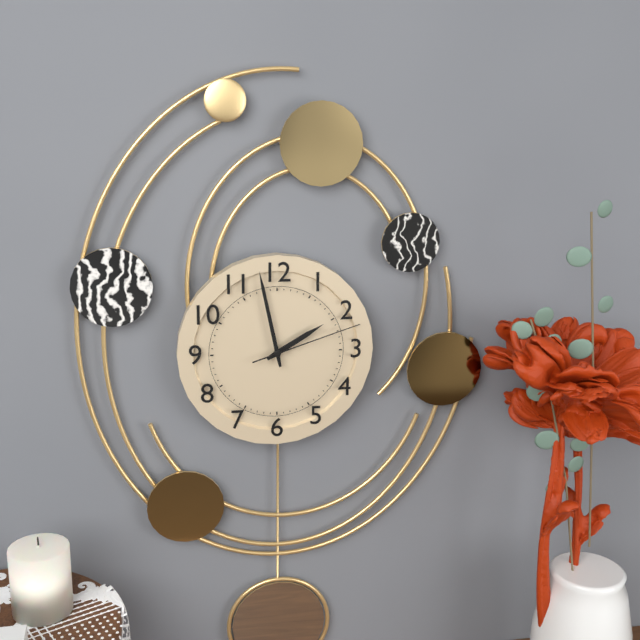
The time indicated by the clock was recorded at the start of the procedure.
1:58:12
